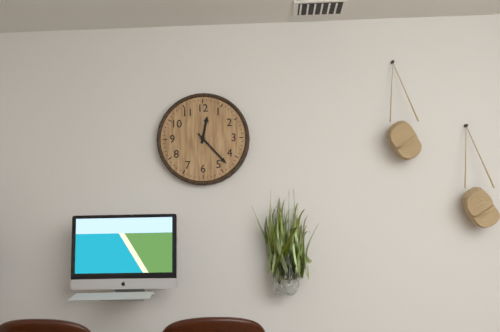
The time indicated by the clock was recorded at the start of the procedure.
12:23
